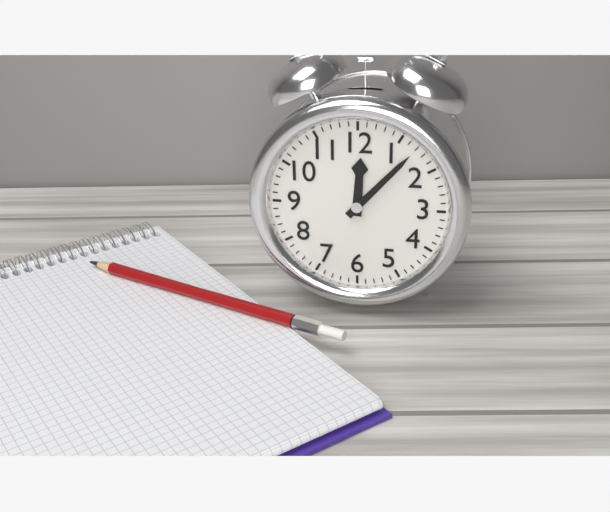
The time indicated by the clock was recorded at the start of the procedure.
12:07
